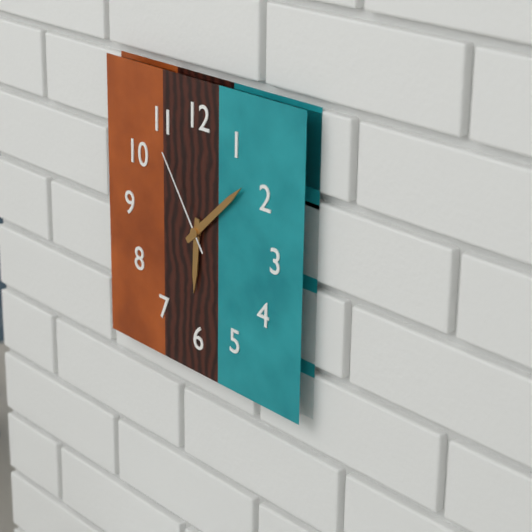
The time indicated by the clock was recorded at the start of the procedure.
6:08:54
